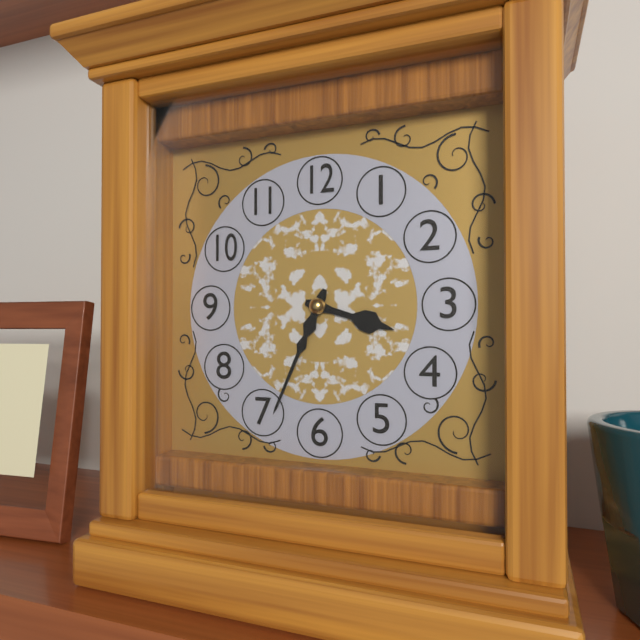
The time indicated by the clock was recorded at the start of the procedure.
3:34
